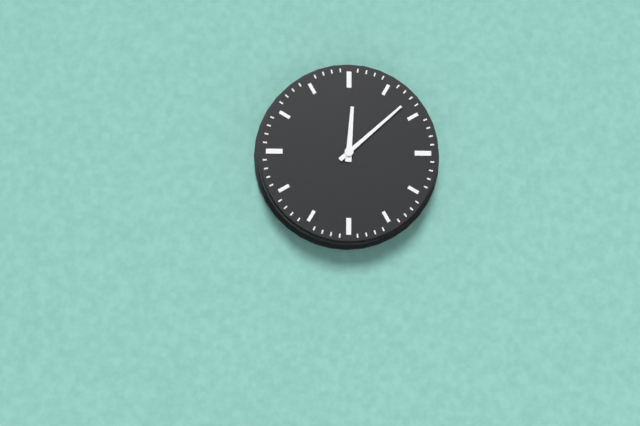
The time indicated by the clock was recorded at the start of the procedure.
12:08
